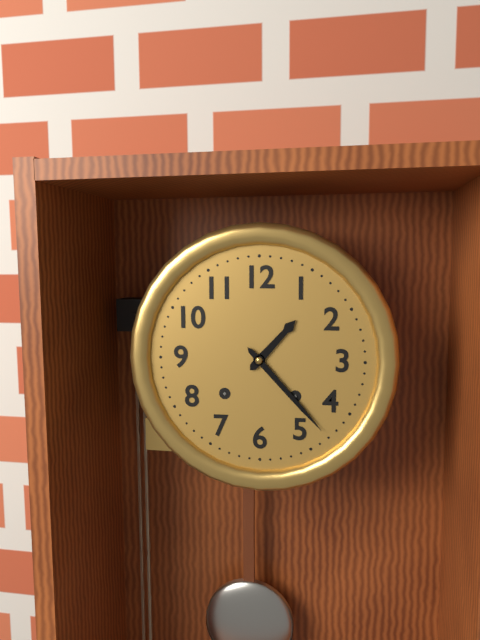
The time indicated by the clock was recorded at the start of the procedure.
1:23
